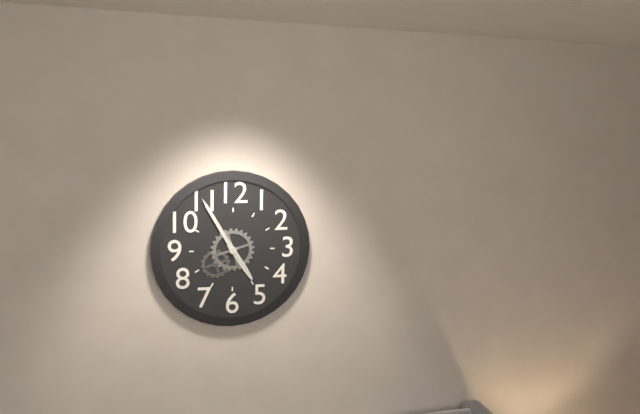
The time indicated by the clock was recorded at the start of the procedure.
4:55
